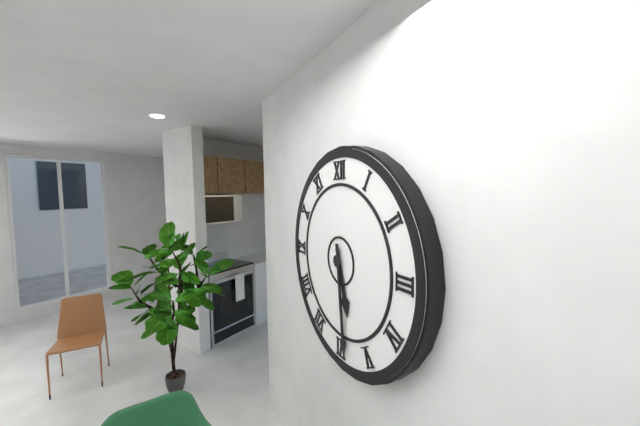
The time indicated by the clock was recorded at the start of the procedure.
5:29
